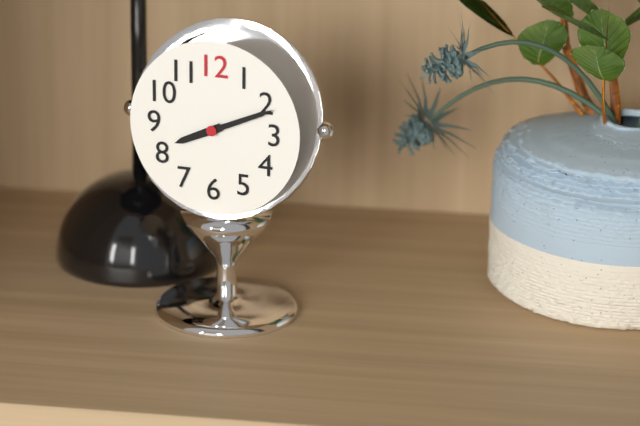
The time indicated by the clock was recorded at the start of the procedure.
8:11
